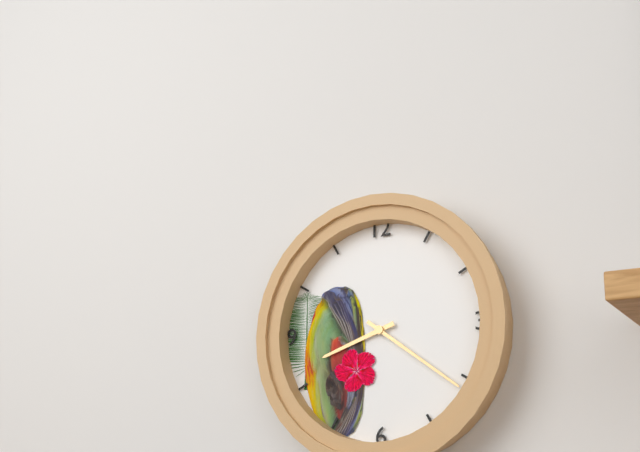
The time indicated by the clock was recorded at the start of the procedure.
8:21
